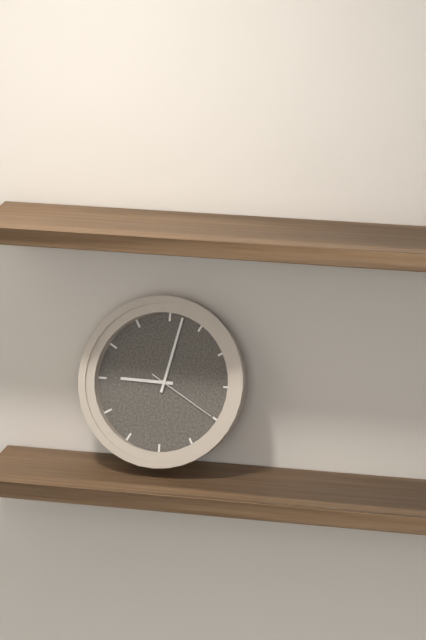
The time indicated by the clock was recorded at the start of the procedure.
9:02:20
